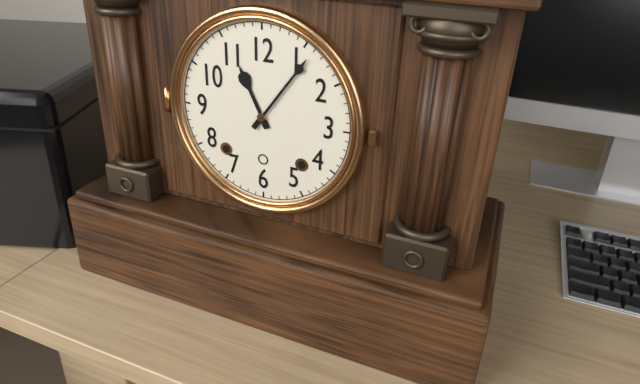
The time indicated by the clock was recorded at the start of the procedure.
11:06
